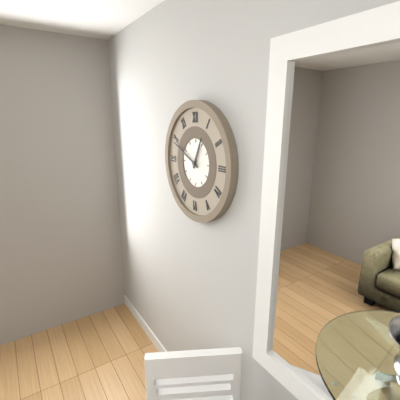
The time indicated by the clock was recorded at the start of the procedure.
12:49
